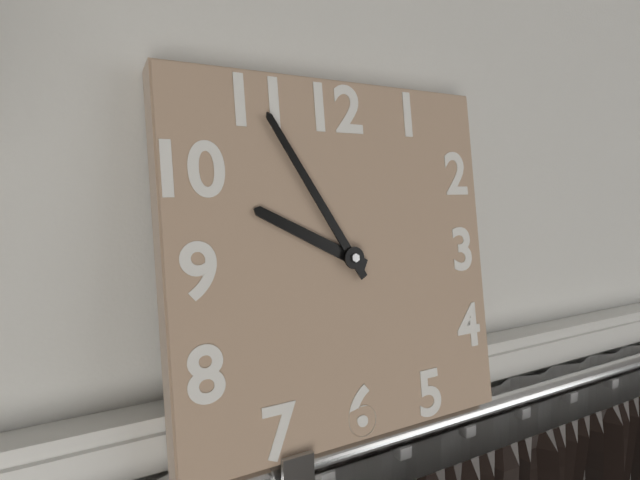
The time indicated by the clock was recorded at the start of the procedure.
9:55
